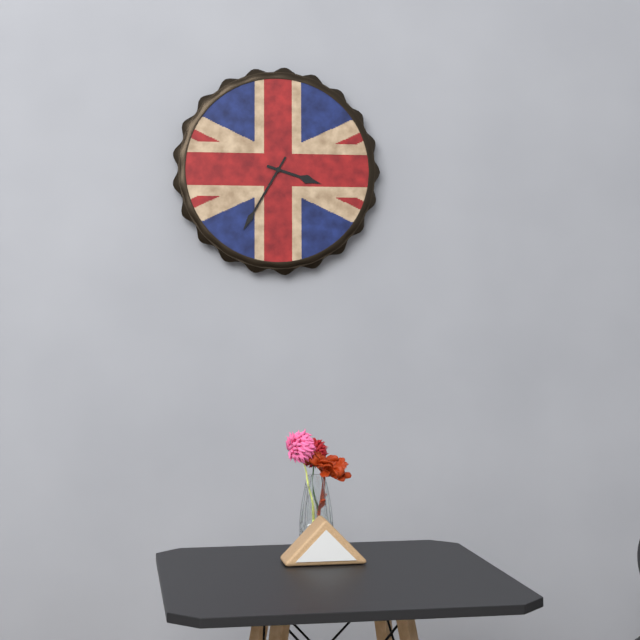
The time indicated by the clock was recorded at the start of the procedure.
3:35
